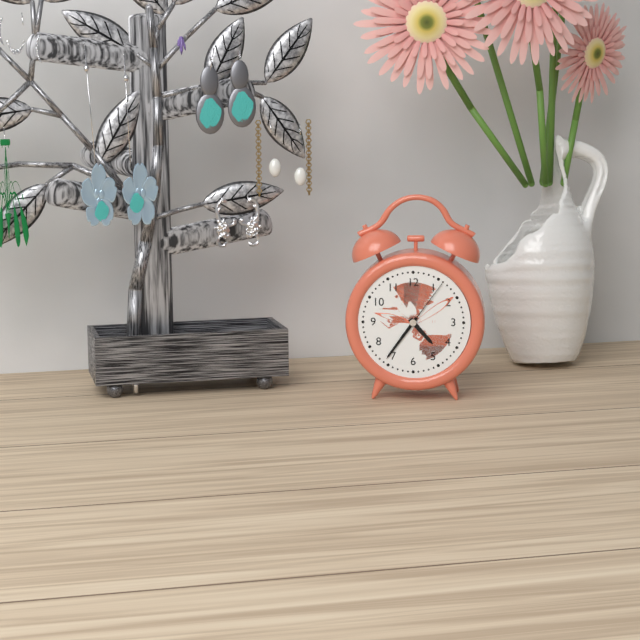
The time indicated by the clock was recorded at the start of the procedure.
4:36:06
